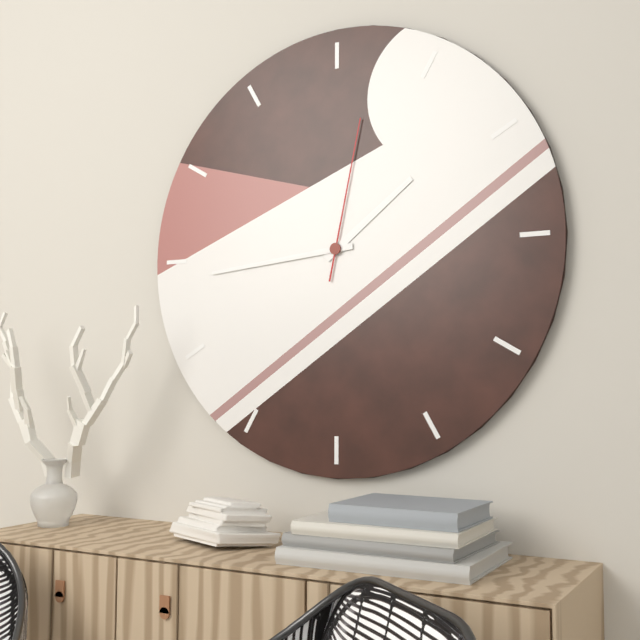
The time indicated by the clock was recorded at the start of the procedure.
1:44:02
